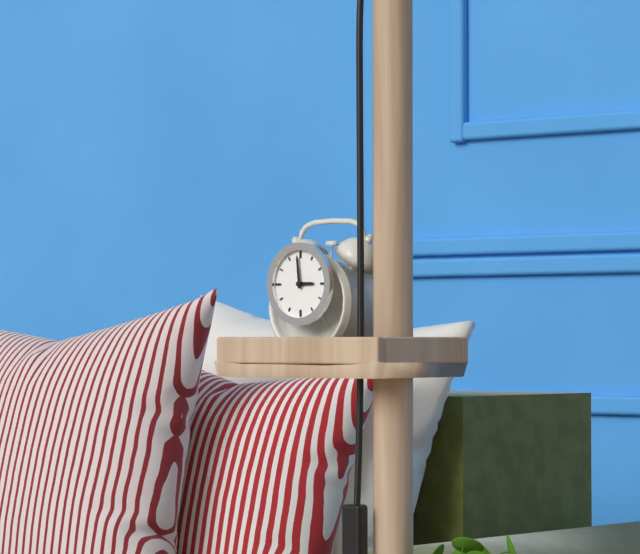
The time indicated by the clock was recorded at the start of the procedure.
2:59
